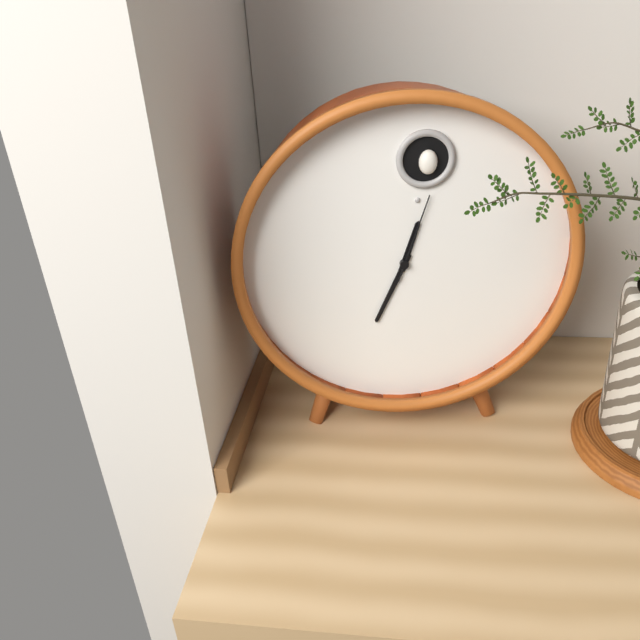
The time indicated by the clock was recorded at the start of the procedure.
12:34:03
